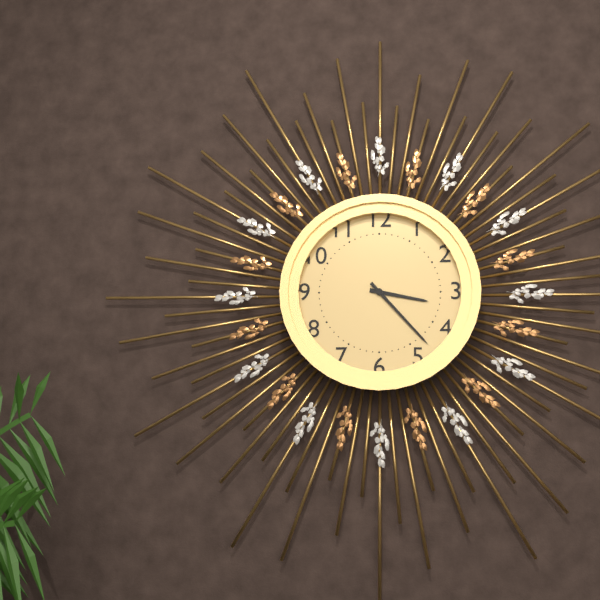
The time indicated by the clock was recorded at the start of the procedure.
3:23
